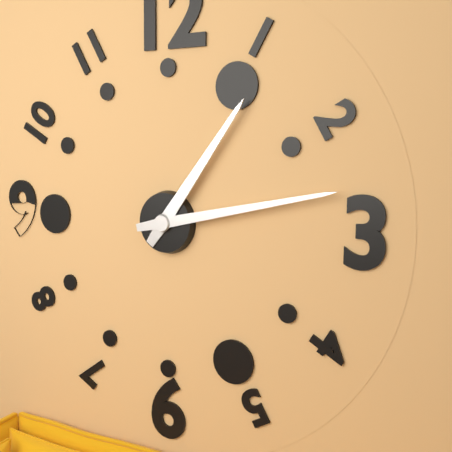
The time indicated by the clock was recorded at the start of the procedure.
1:13
